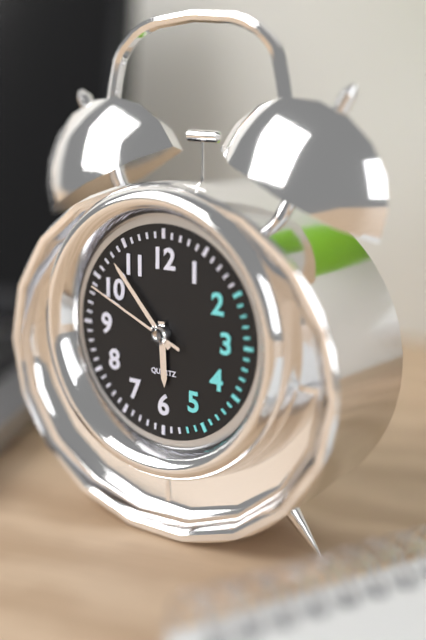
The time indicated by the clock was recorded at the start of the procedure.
5:53:49
